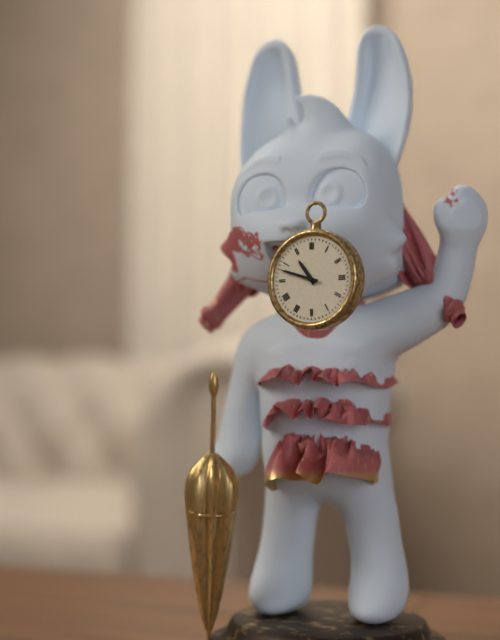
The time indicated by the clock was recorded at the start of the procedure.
10:48
